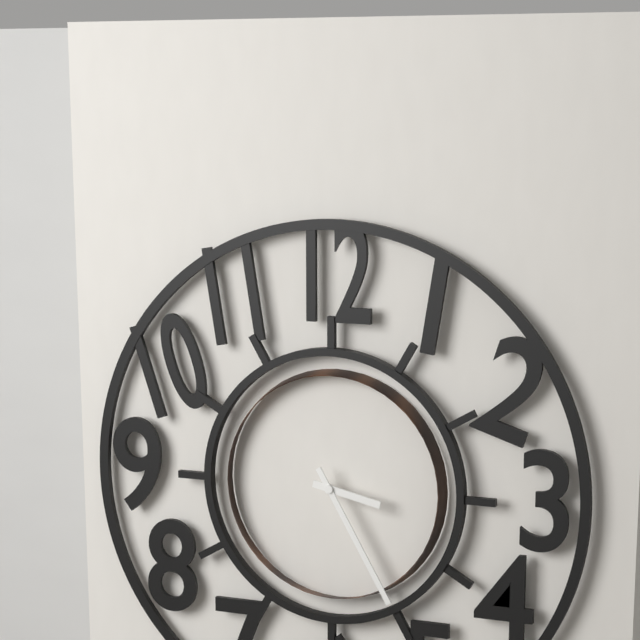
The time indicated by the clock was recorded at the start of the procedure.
3:25
